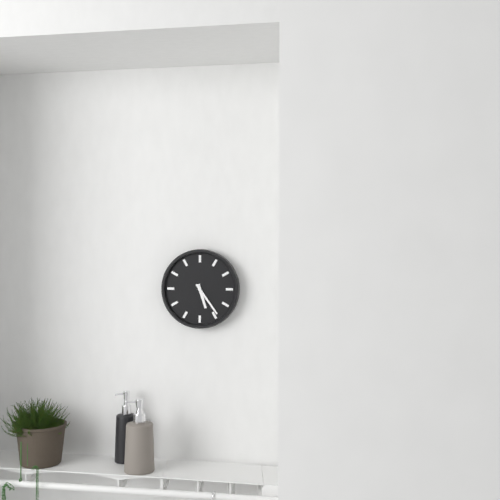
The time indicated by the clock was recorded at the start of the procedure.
5:24
